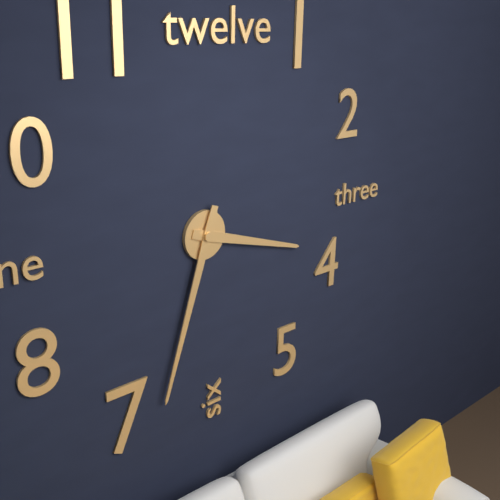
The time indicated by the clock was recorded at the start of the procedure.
3:33
